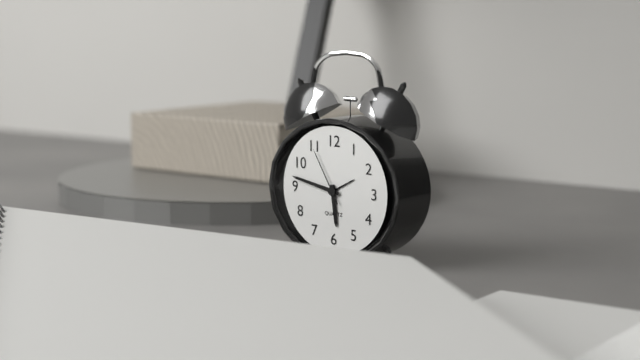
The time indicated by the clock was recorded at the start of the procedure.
5:47:55
